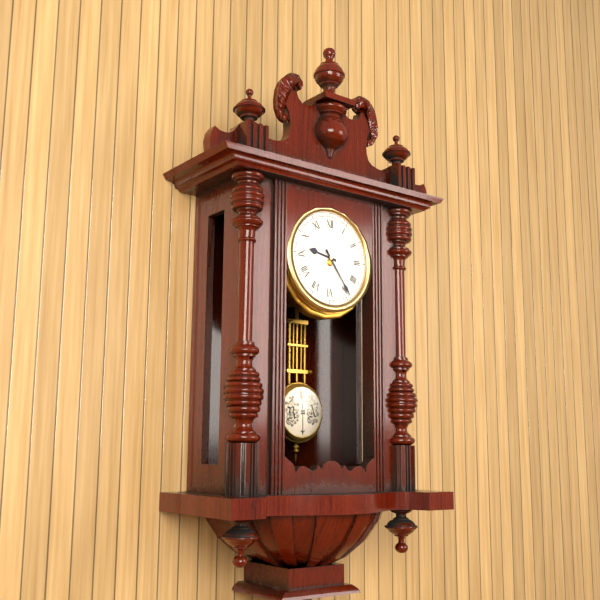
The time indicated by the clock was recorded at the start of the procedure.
9:24
